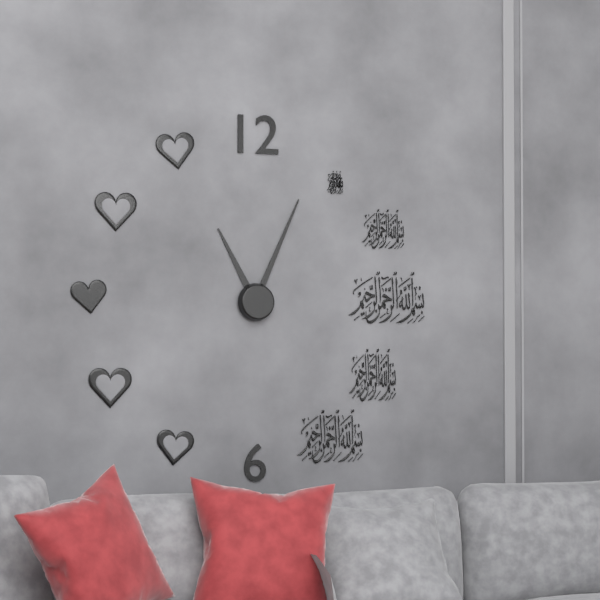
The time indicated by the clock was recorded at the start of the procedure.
11:04
